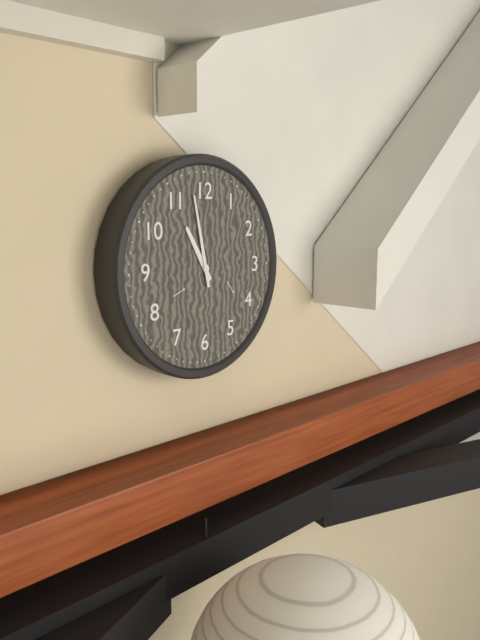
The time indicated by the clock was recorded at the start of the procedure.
10:58
